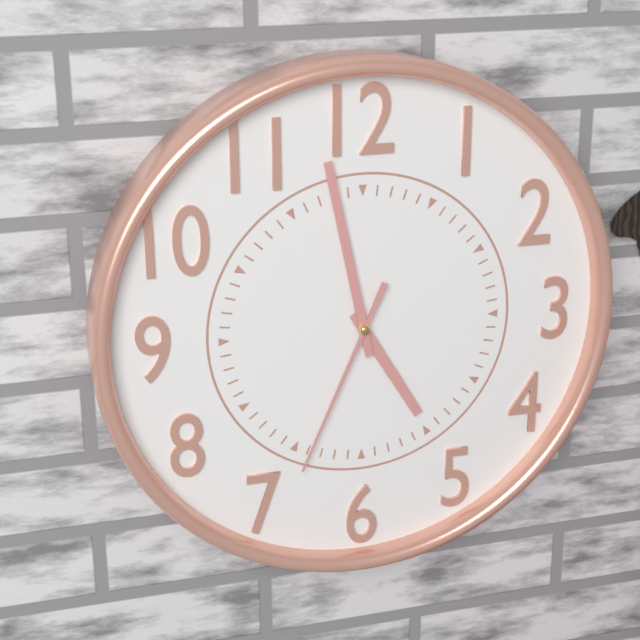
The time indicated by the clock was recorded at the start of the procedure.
4:58:34
